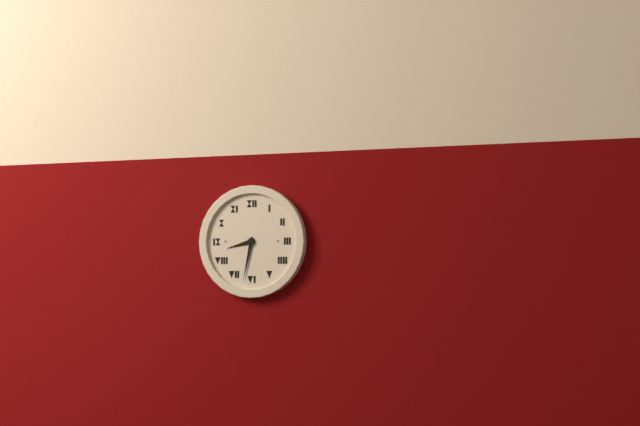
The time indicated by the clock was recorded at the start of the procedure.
8:32
